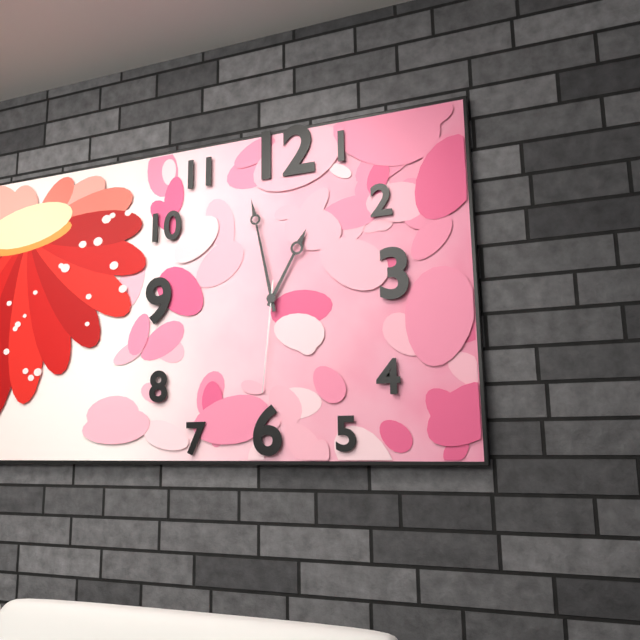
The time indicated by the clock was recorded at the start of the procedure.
12:58:31
